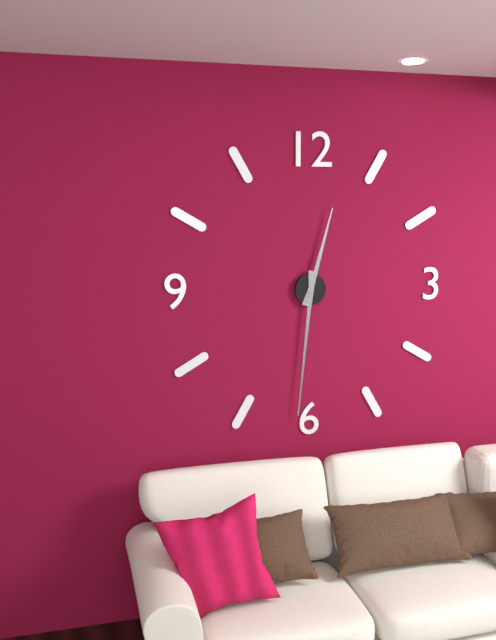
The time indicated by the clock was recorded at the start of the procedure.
12:31
